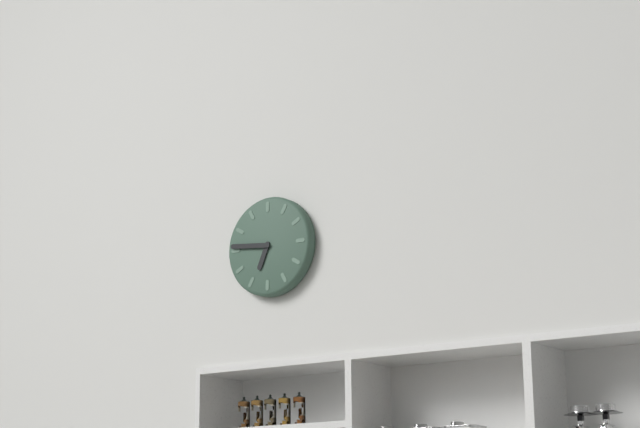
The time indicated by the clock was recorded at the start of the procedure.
6:46
